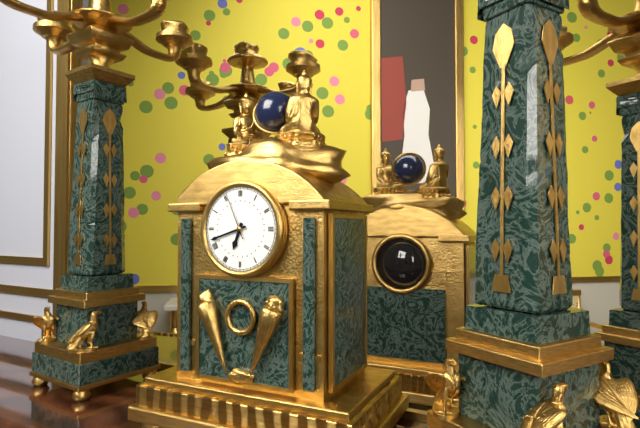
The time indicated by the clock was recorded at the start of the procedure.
6:42
